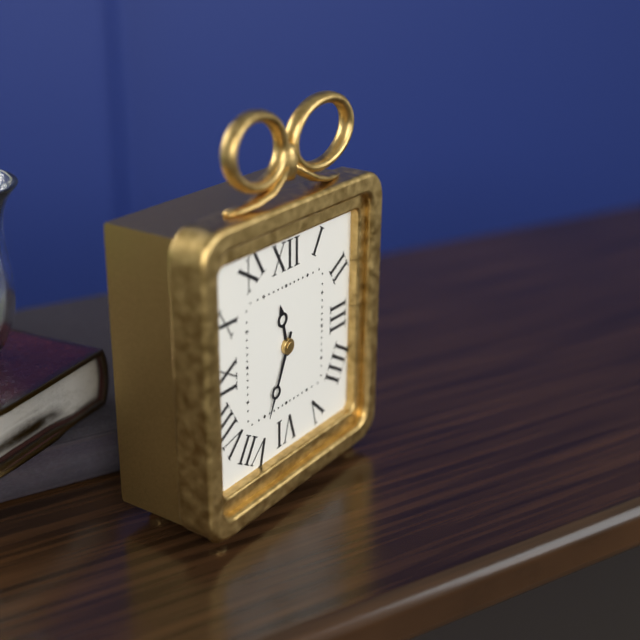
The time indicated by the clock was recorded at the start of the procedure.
11:34
